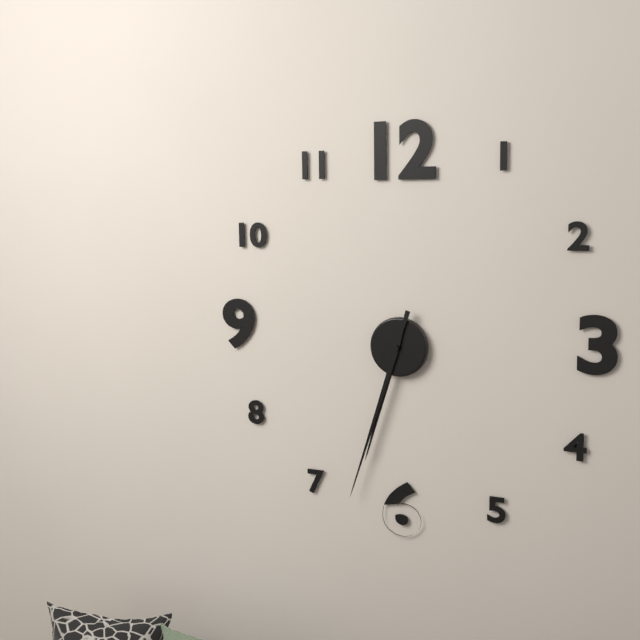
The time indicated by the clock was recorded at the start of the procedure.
6:33
